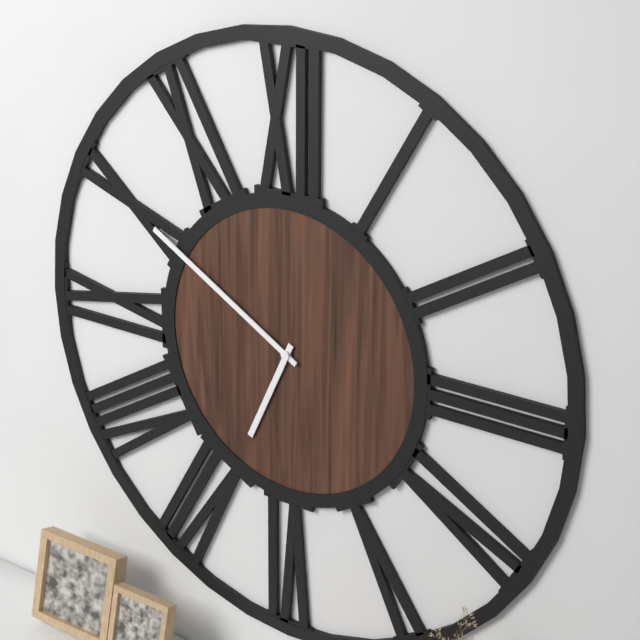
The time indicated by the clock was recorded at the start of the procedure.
6:50
